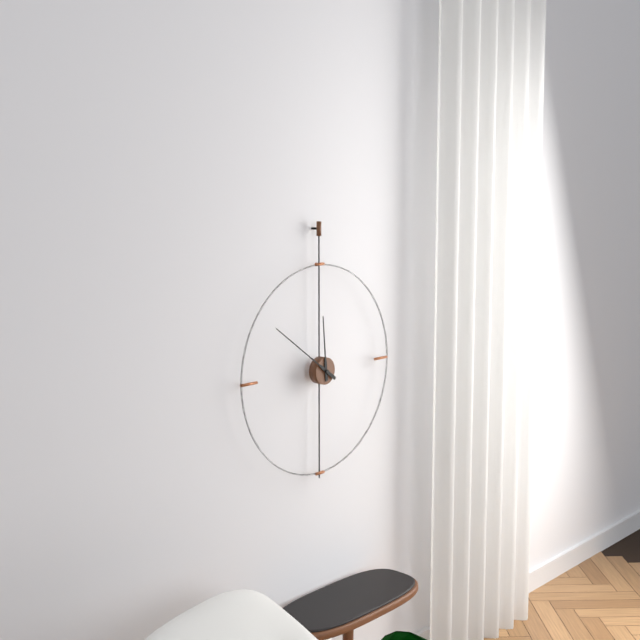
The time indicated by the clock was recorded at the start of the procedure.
11:51
